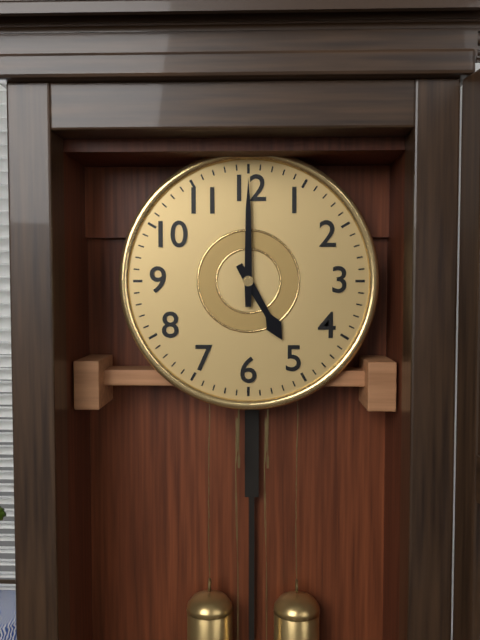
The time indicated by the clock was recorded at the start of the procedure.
5:00
